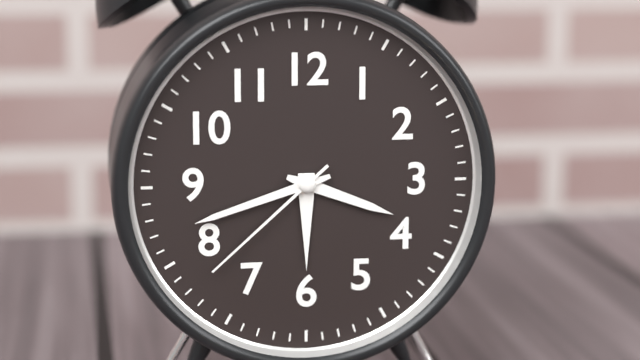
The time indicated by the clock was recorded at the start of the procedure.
3:42:38
